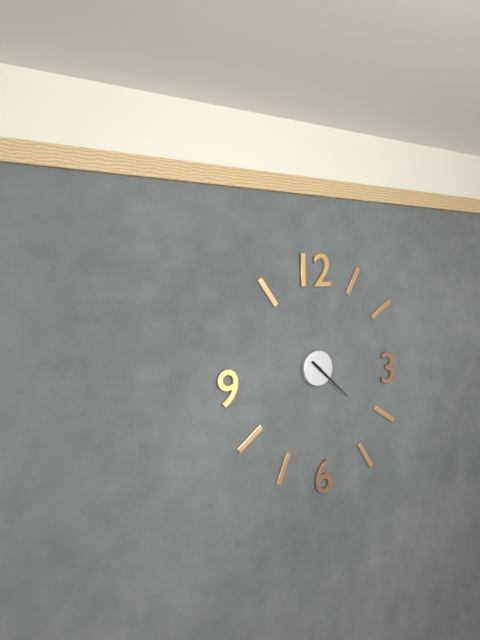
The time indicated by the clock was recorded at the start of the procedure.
4:22
